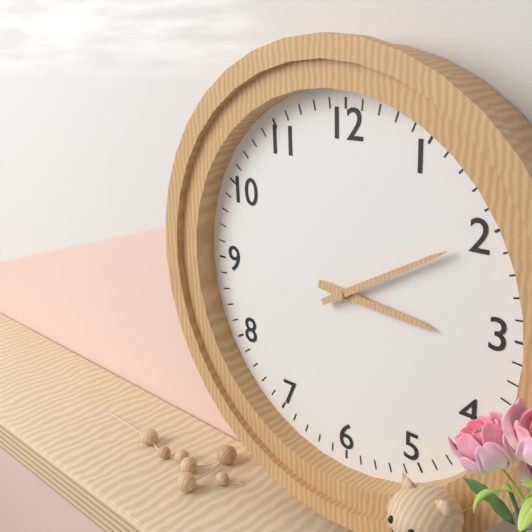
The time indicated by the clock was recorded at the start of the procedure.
3:10
